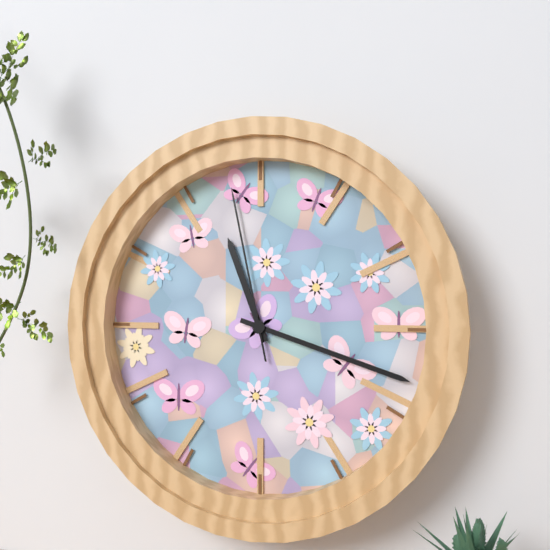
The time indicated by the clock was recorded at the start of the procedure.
11:18:58
